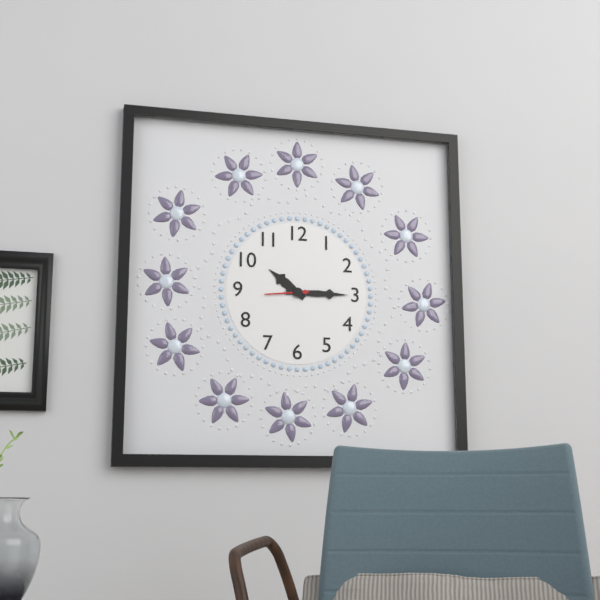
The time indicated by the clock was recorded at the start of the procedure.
10:15
